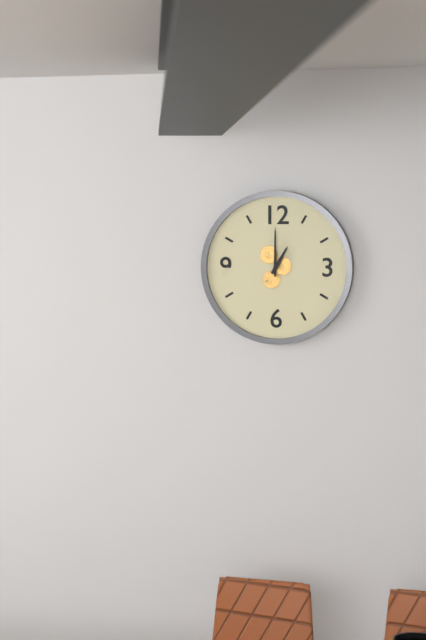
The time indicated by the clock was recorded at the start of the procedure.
1:00
